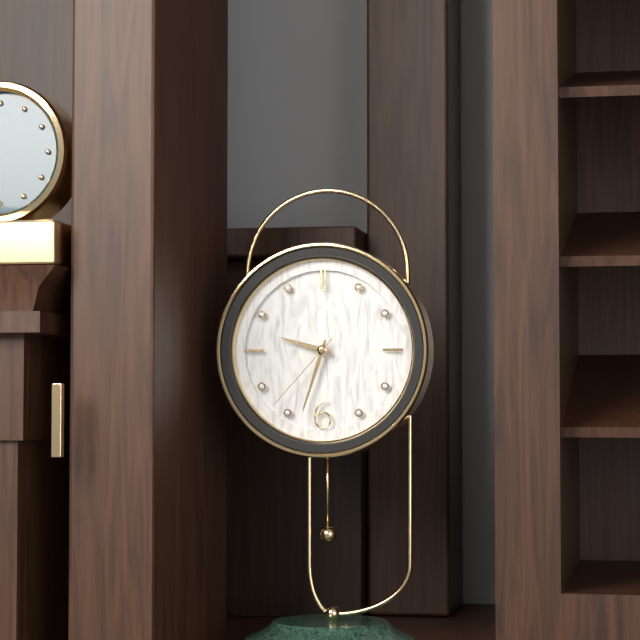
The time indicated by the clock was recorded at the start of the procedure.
9:33:37
